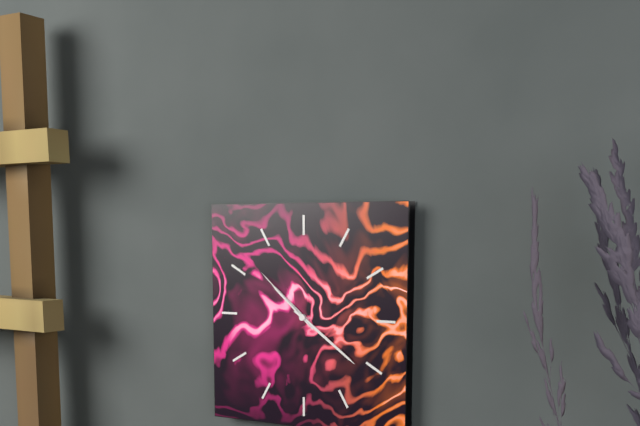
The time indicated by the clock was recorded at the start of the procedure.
10:21:52
